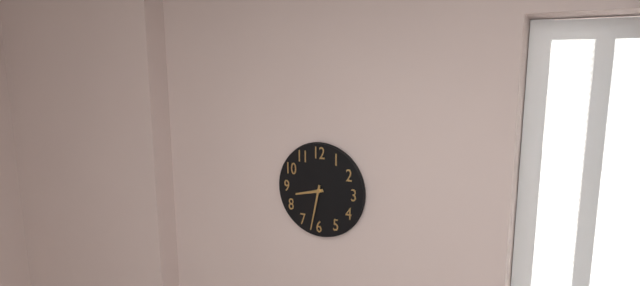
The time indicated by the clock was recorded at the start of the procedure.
8:32
